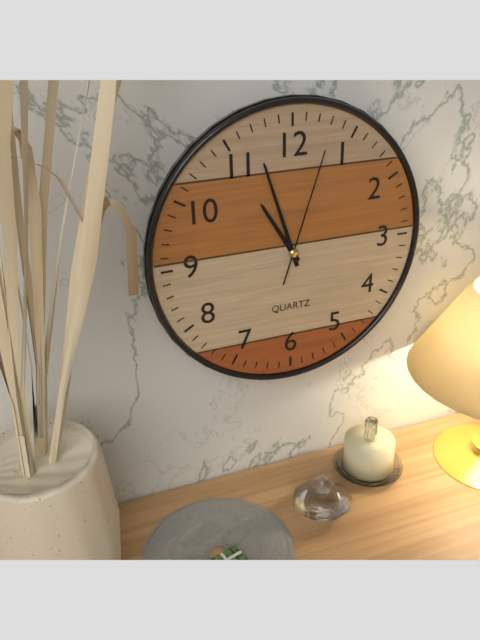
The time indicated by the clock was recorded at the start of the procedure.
10:57:03
